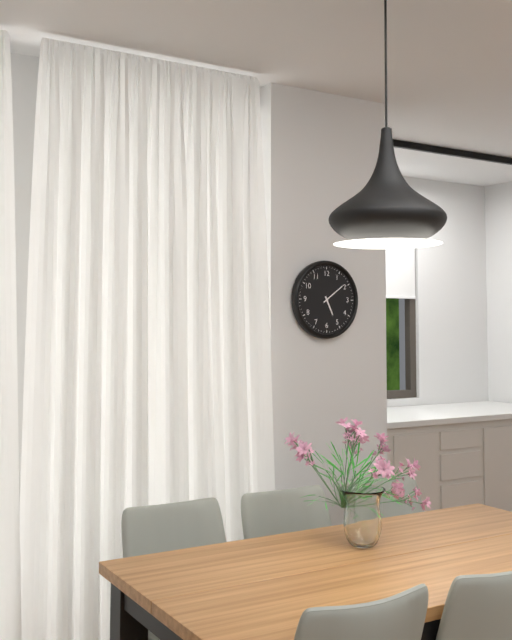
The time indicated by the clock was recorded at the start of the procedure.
5:09
